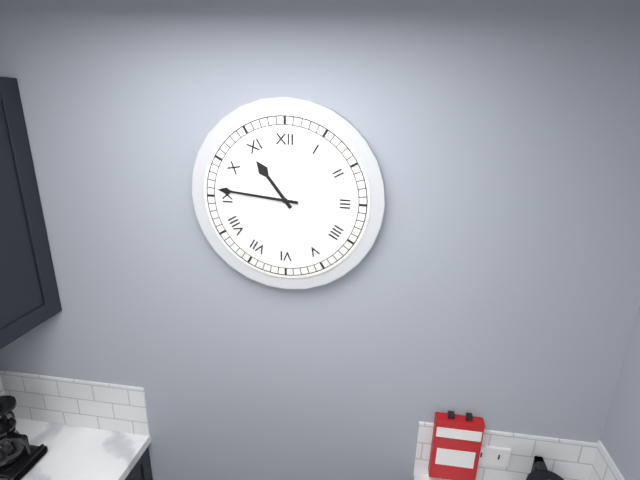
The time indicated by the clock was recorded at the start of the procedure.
10:46
